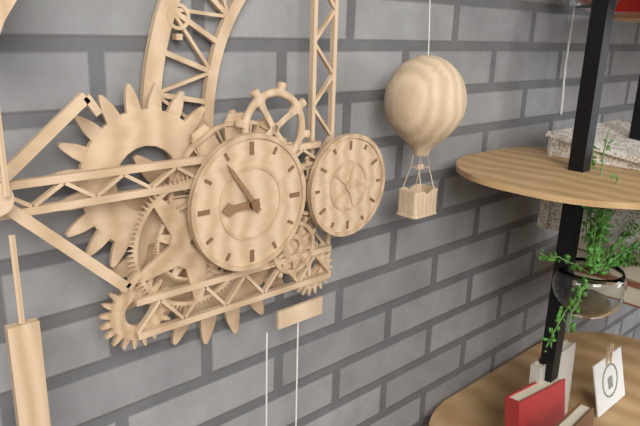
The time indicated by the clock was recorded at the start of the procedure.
8:54
